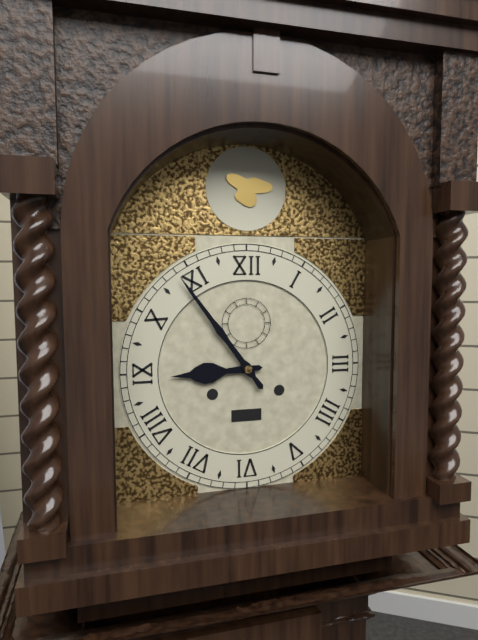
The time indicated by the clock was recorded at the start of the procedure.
8:54
